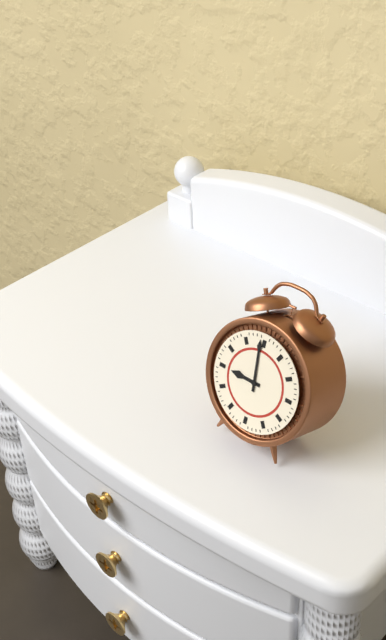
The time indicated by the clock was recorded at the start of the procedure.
8:59
